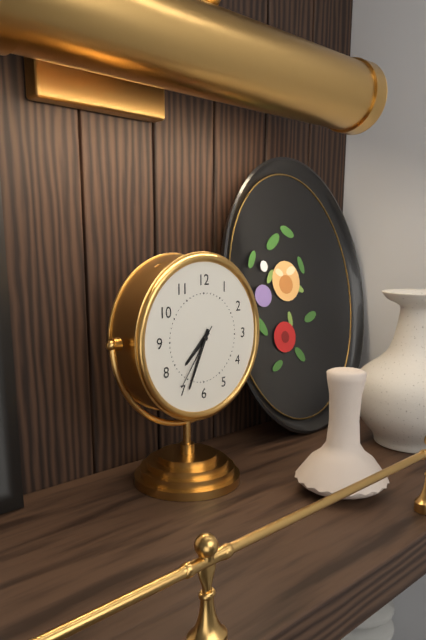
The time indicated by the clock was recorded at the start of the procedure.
7:34:36
